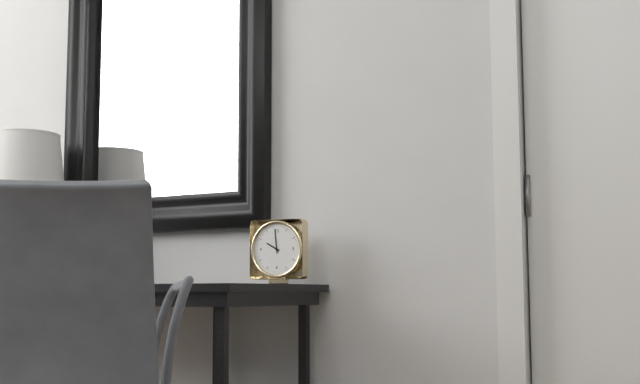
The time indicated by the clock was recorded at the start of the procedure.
9:59
